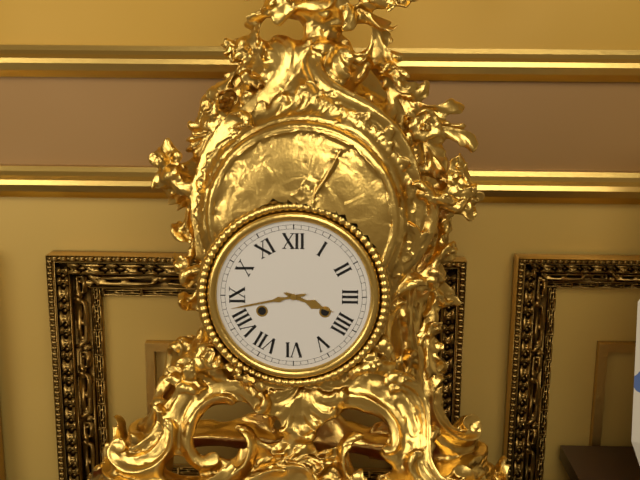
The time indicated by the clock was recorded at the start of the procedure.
3:43
